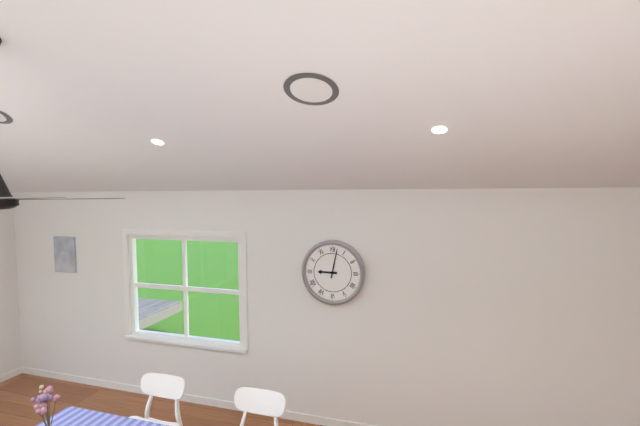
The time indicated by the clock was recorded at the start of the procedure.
9:02
